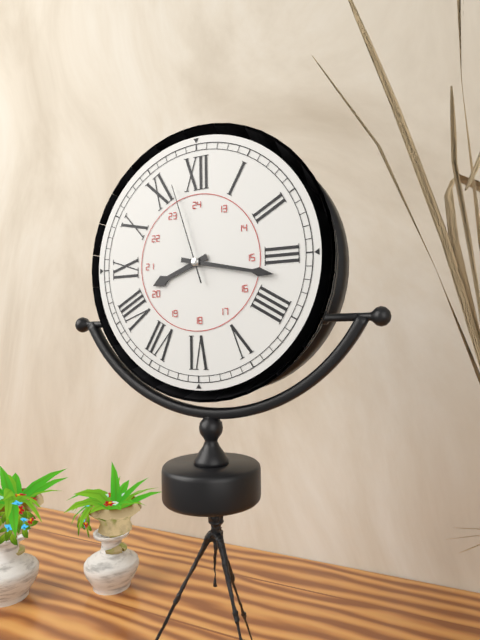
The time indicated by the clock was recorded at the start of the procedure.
8:17:57
